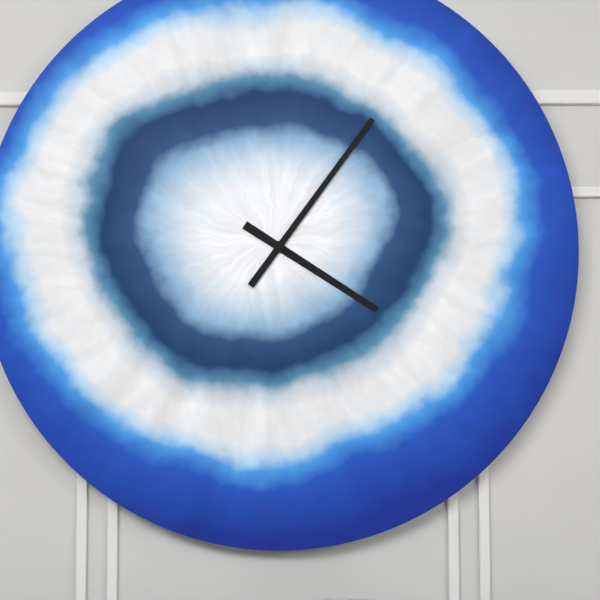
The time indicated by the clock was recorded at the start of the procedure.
4:06
